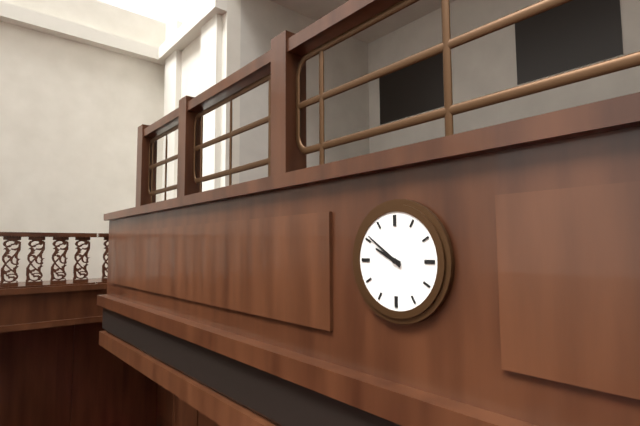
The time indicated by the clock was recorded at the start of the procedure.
9:51
